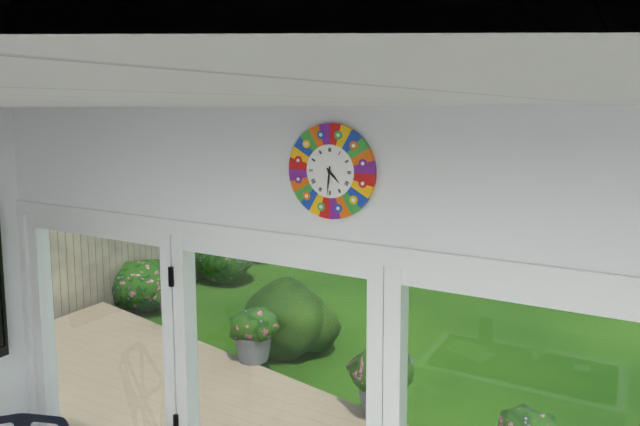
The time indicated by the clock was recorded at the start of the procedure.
4:31
